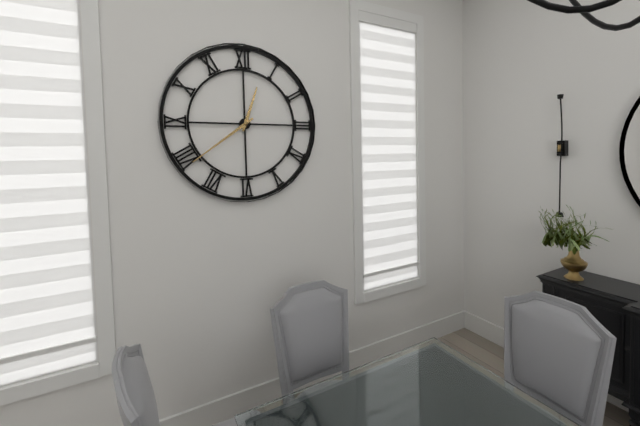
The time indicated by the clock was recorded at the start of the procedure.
12:39
